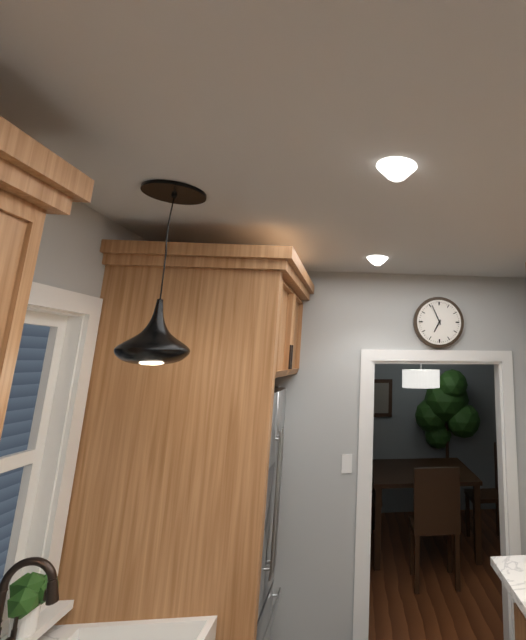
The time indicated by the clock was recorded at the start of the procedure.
6:56
